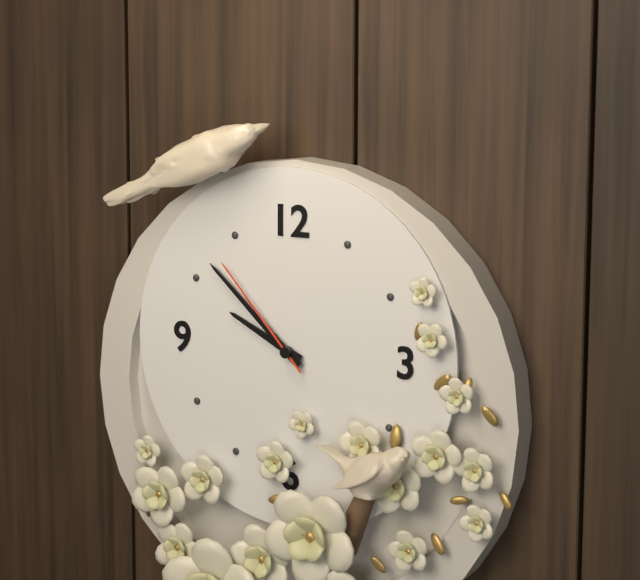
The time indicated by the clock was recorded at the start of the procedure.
9:52:53
